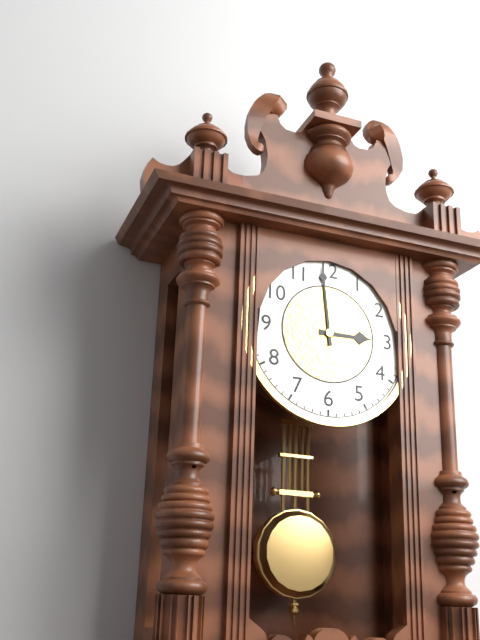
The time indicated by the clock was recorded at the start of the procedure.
2:59
